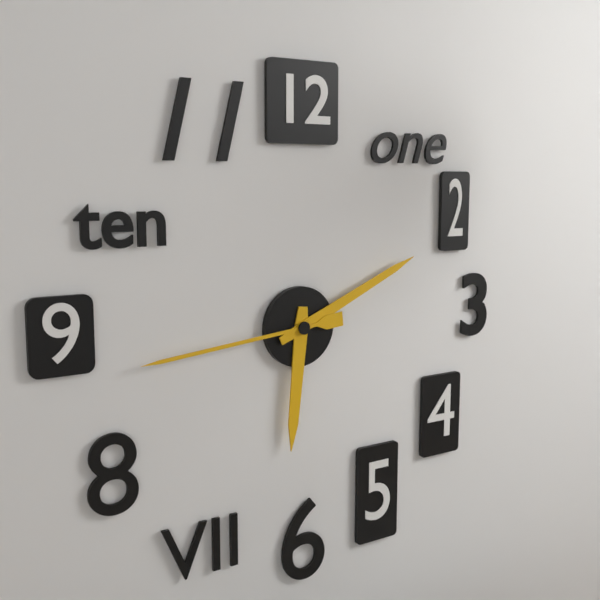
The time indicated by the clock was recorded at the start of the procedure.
6:11:44
